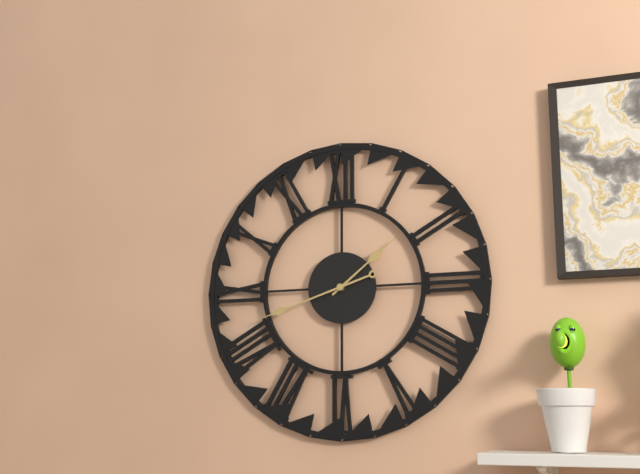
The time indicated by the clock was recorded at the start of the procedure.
1:42
